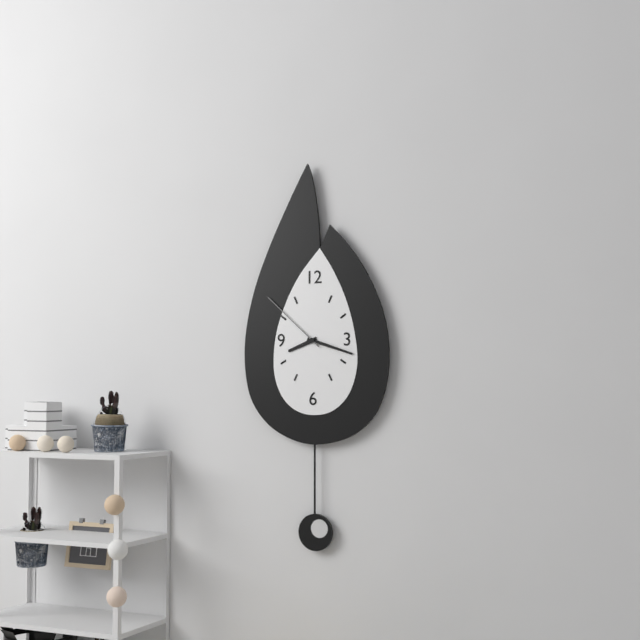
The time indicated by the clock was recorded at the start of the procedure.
8:18:52
